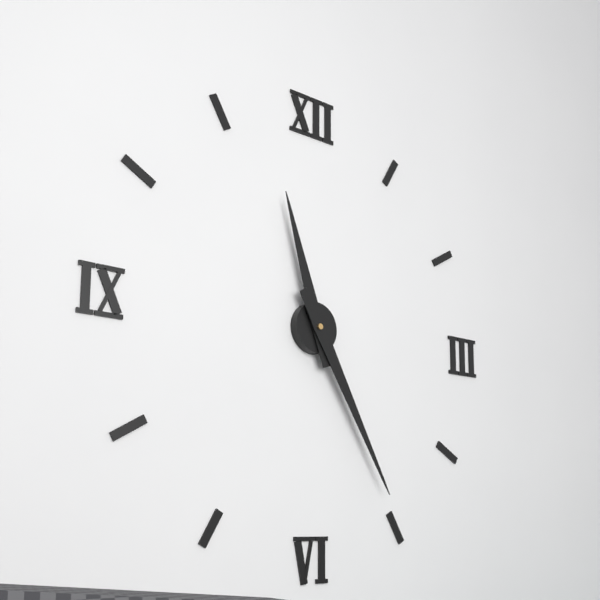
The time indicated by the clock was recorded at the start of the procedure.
11:25
